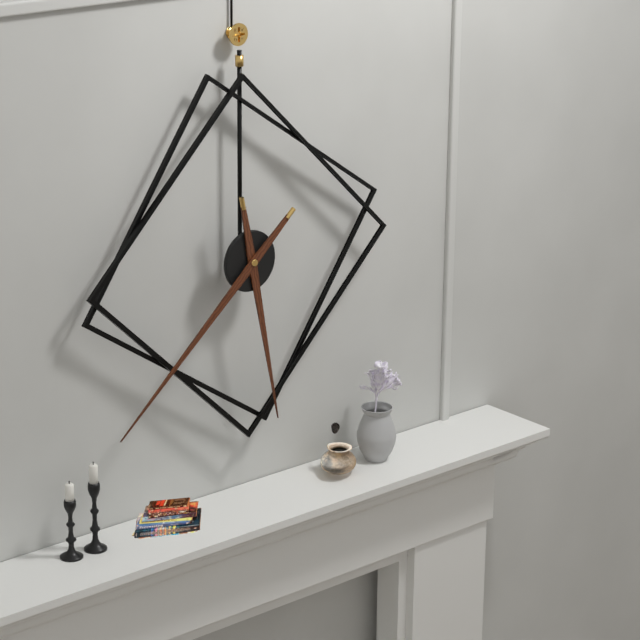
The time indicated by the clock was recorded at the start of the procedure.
5:38
